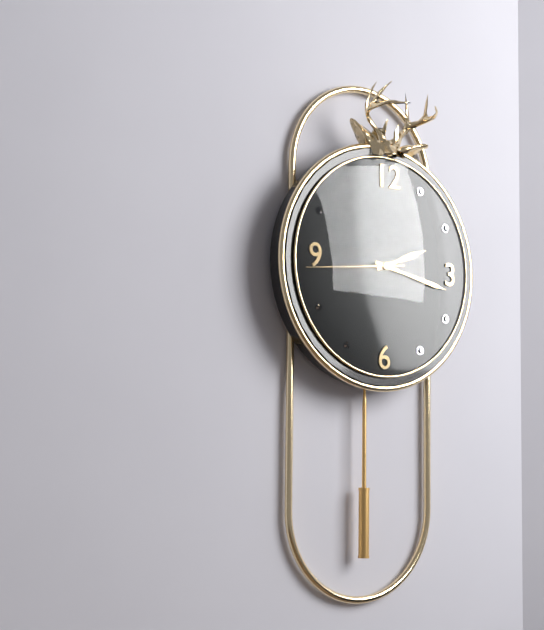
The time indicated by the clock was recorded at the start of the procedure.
2:17:44
